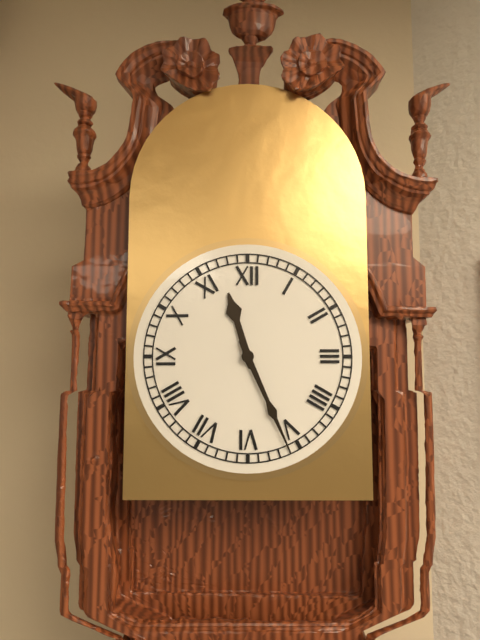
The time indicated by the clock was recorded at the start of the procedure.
11:26
